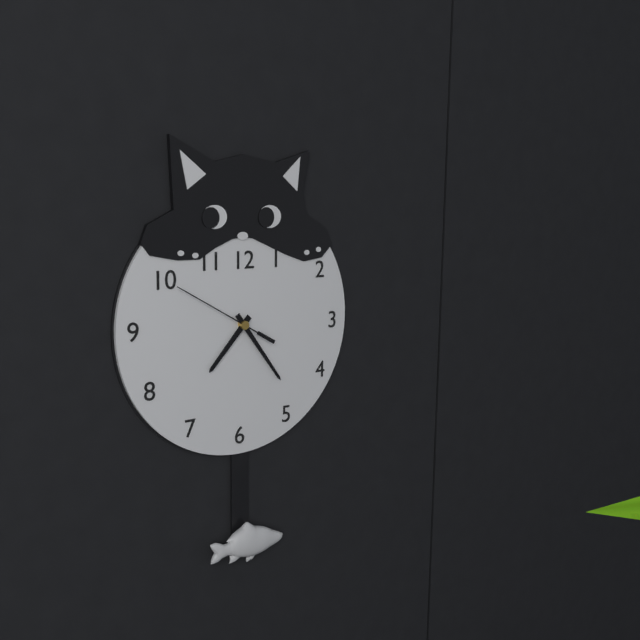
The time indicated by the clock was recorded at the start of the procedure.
7:24:50
